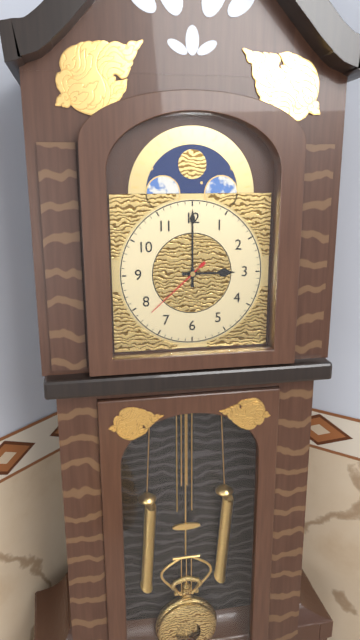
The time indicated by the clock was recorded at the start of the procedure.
3:00:38
